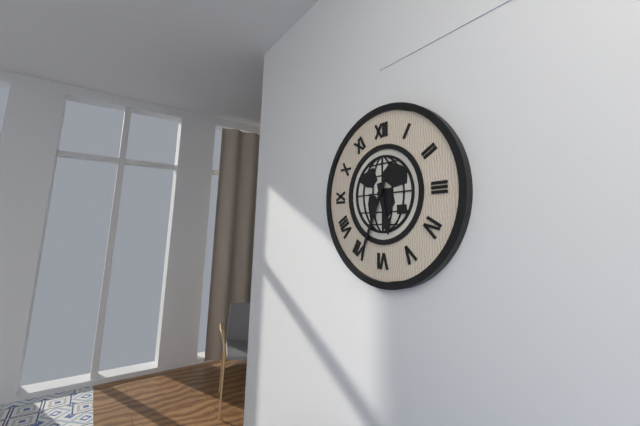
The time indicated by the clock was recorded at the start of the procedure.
5:34
